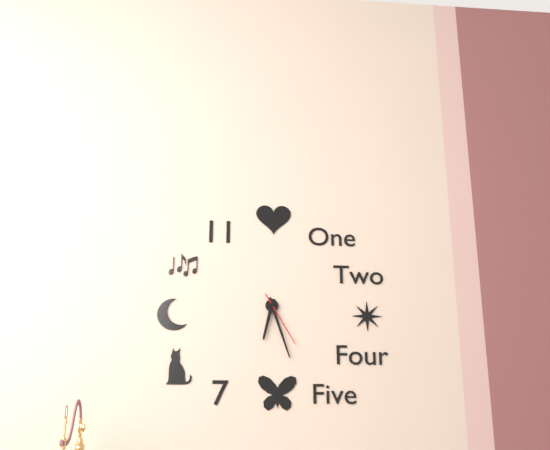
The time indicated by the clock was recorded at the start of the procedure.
6:27:25
